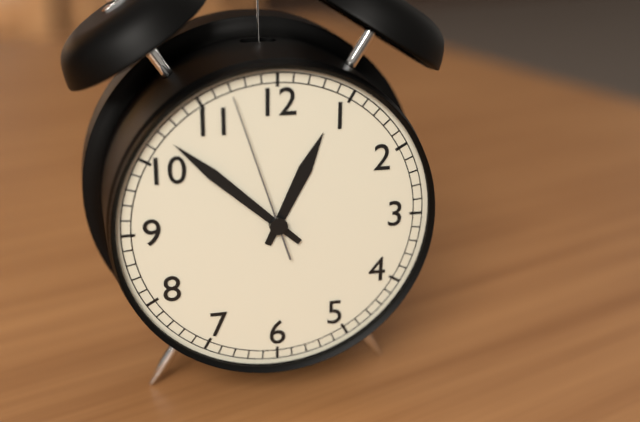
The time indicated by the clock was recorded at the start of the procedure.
12:52:57
